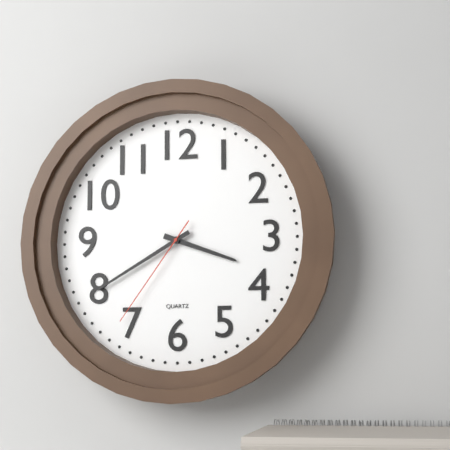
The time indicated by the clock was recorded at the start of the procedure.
3:40:36
